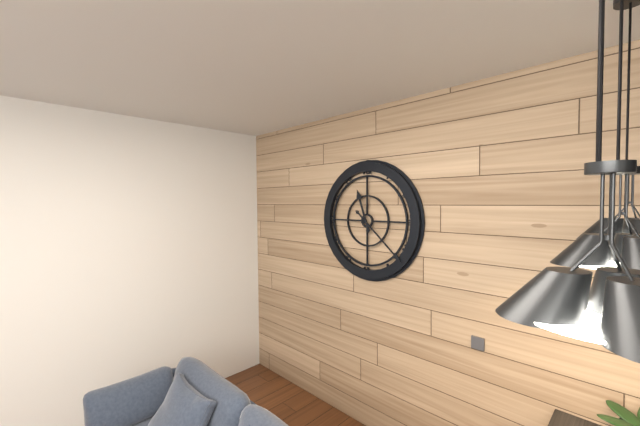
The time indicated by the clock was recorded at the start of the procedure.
11:22
